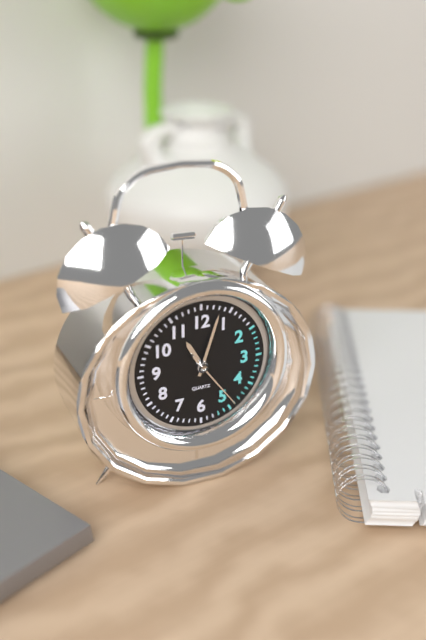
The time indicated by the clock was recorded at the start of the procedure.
11:03:24
